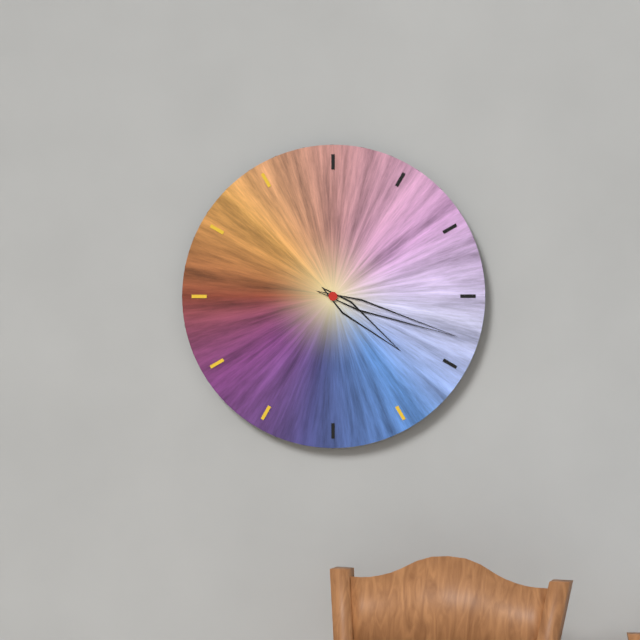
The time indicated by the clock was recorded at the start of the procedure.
4:18
